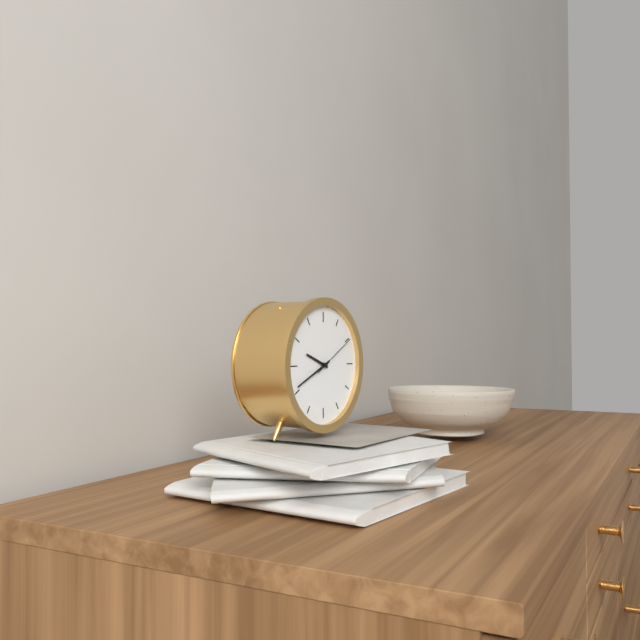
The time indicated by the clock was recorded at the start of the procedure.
9:41
